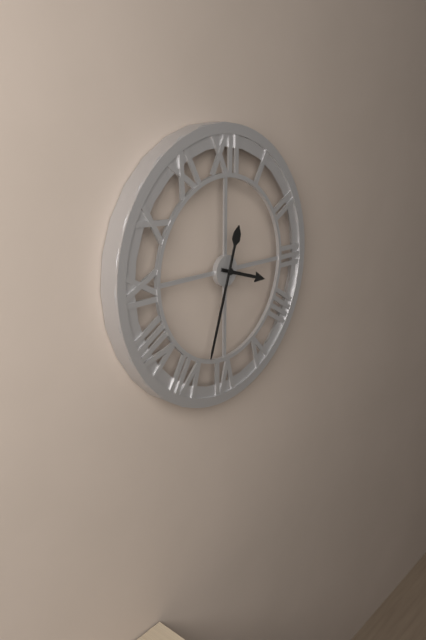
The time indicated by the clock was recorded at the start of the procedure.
3:33
